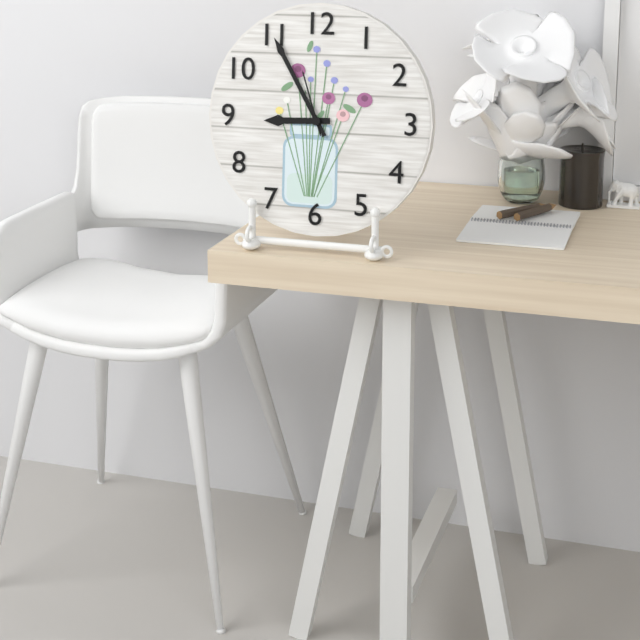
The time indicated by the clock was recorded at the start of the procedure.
8:55:57
